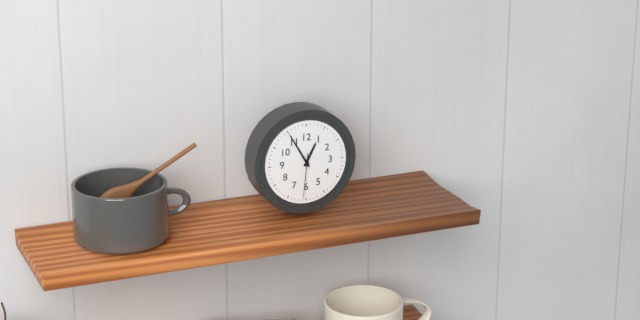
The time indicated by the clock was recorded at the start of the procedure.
12:55
